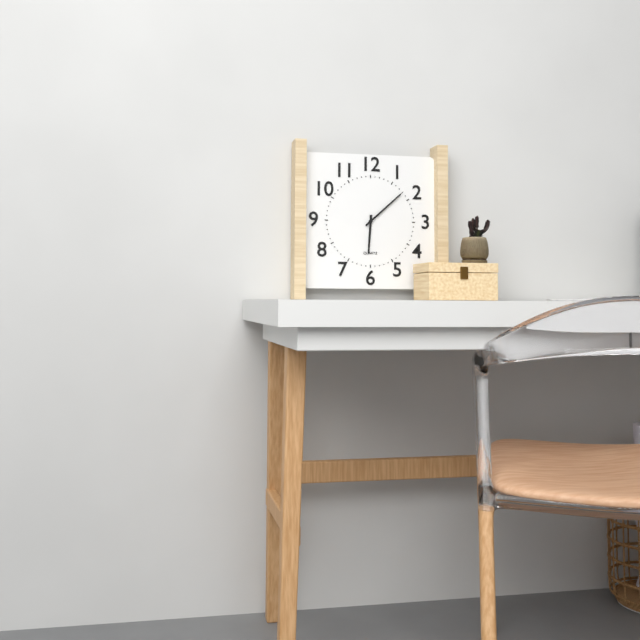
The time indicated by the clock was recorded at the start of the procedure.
6:08
